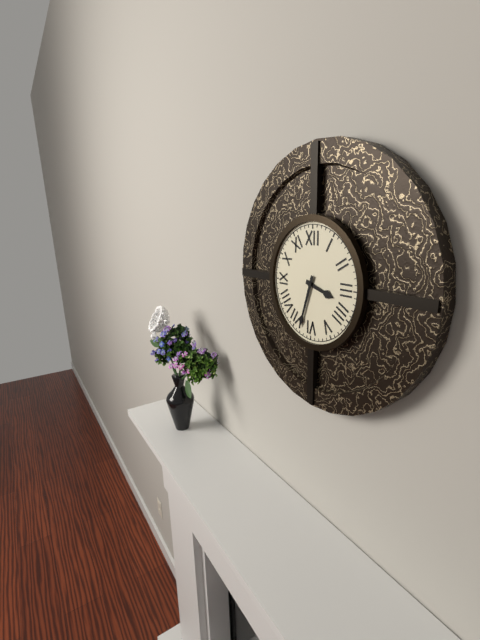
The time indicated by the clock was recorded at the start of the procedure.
3:33
